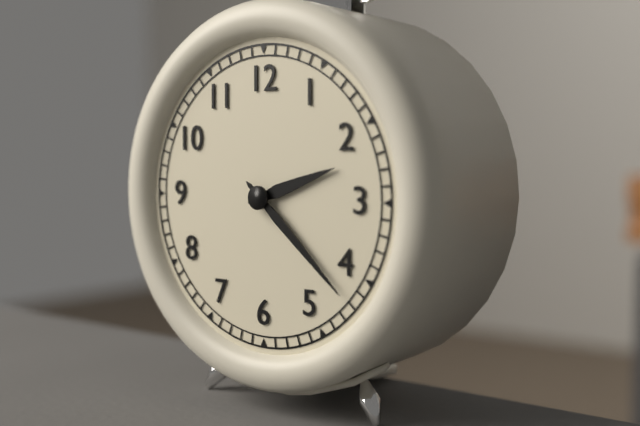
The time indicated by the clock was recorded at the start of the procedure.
2:22
